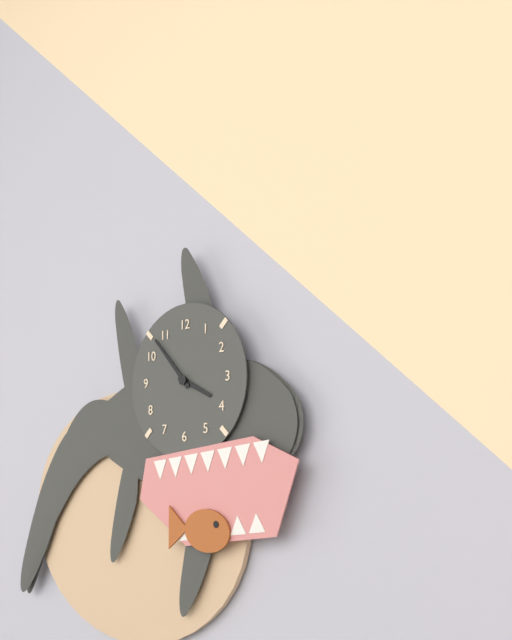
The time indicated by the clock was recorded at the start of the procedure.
3:53
